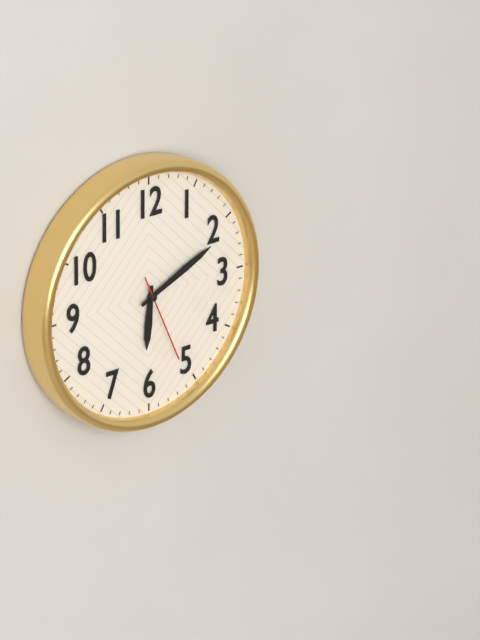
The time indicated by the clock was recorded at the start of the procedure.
6:11:26
